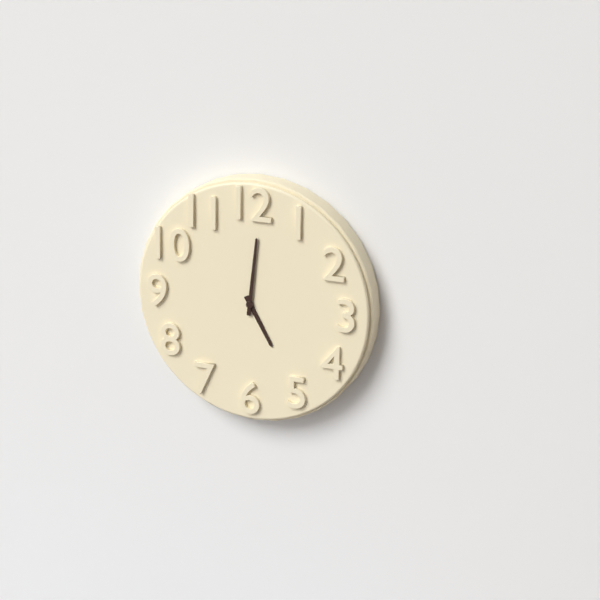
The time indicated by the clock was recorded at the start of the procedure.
5:01
